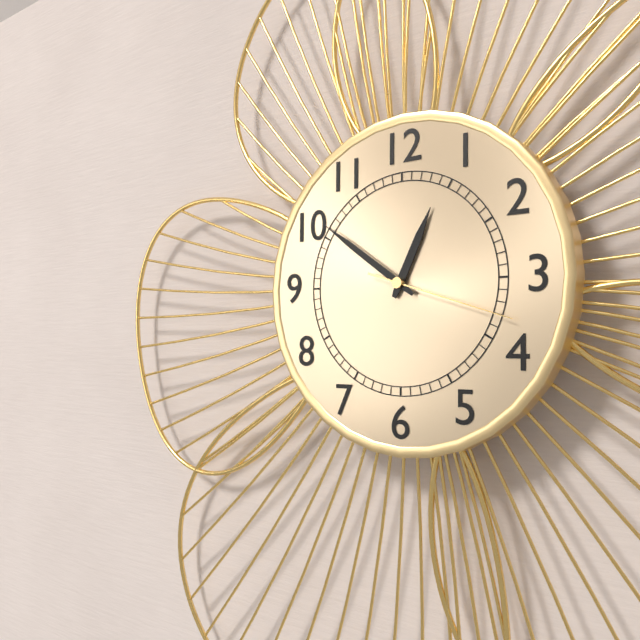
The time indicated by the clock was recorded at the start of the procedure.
12:51:18
